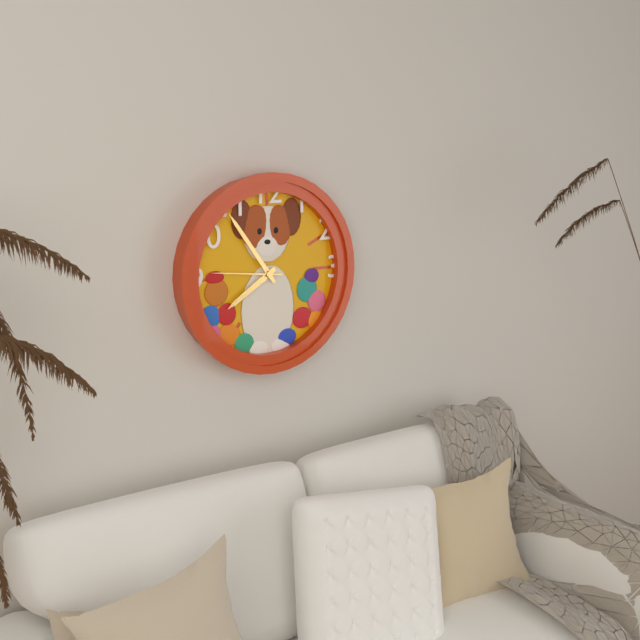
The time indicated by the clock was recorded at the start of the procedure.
7:54:46
